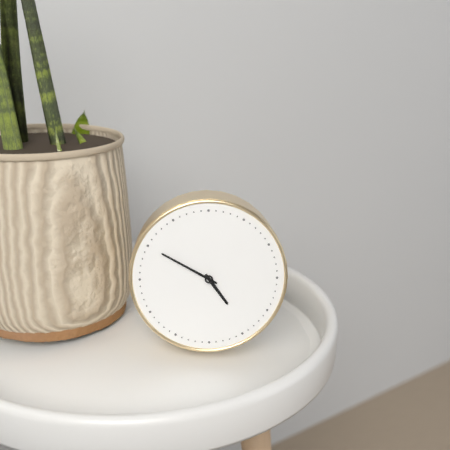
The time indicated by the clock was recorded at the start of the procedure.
4:50
